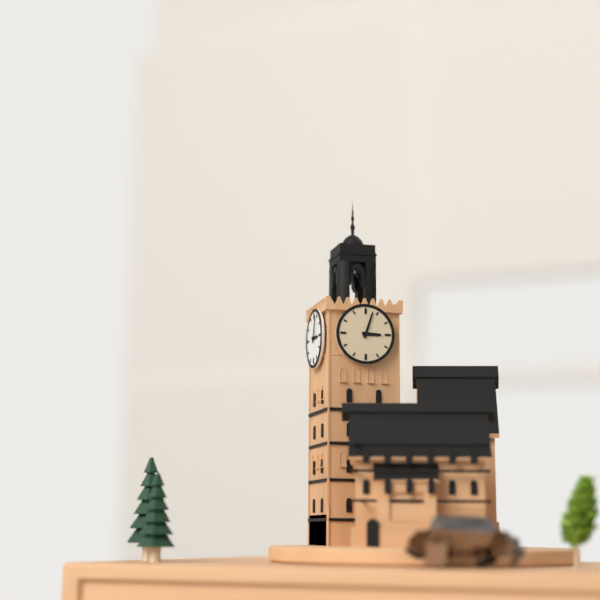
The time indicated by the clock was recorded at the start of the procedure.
3:03
